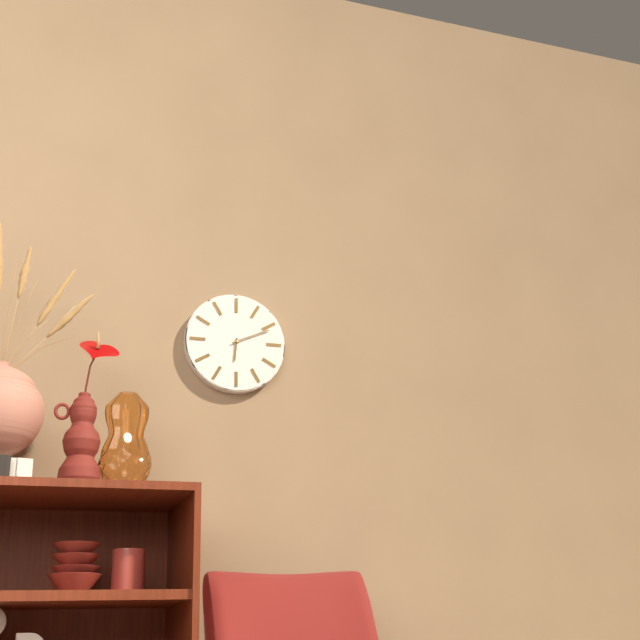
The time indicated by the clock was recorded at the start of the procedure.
6:11
